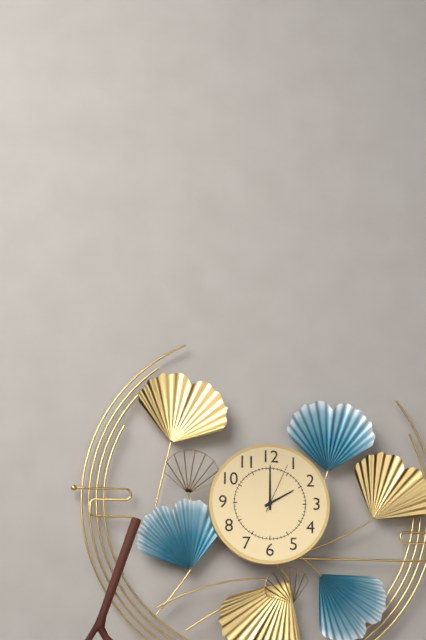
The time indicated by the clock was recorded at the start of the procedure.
2:00:04
